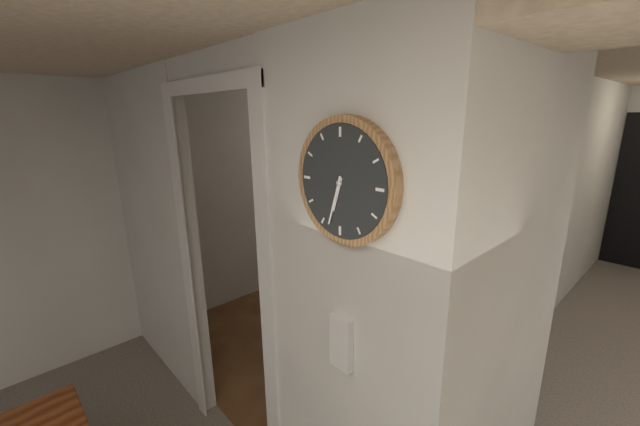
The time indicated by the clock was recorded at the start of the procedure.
6:33
